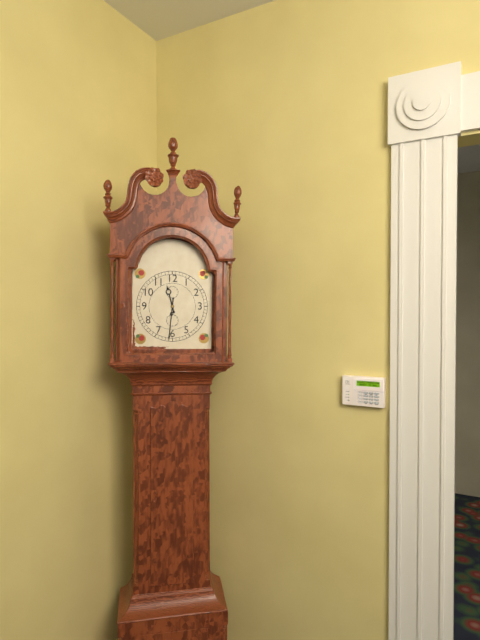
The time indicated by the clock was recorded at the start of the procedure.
11:31
